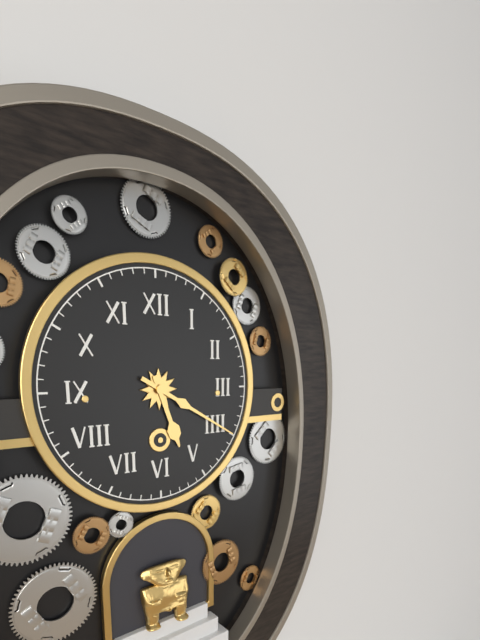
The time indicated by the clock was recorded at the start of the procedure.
5:20
